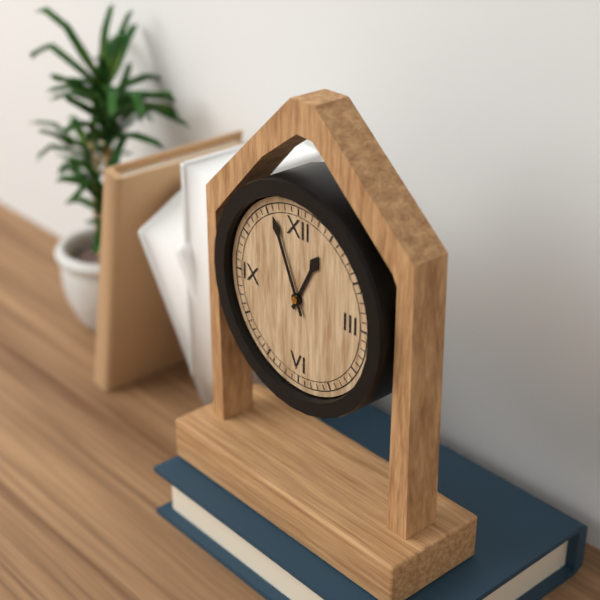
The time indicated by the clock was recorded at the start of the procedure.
12:56
